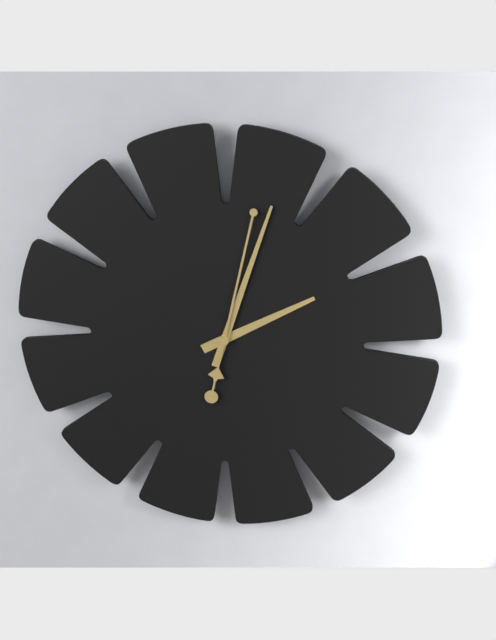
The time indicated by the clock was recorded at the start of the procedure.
2:03:02
